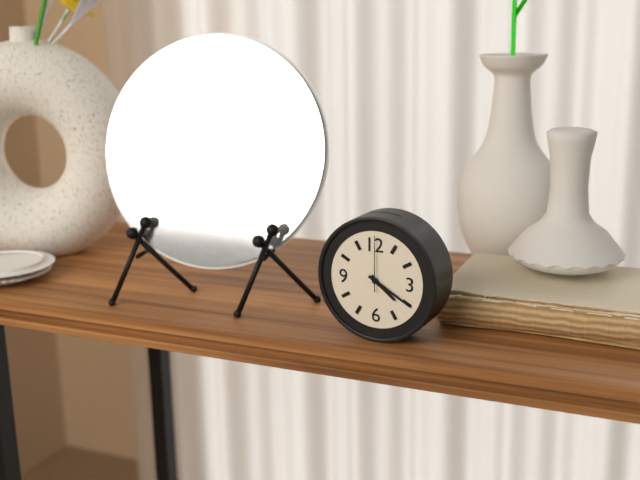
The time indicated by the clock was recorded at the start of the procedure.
4:20:00
